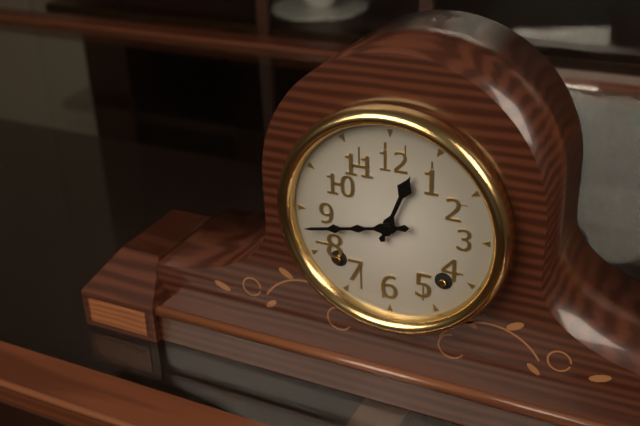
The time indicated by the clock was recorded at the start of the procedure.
12:43
